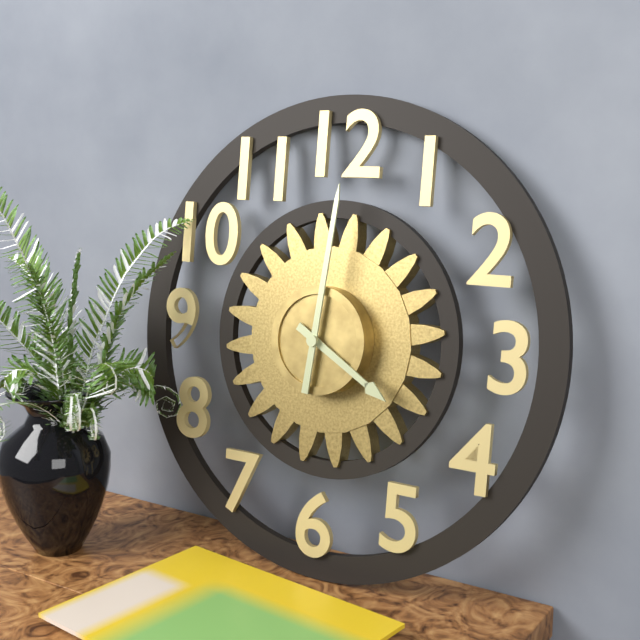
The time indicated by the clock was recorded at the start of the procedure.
4:01
